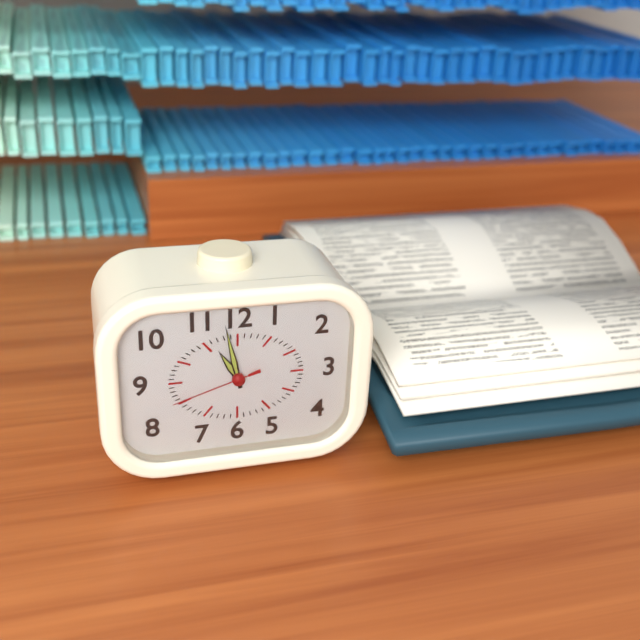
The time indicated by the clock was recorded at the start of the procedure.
10:58:42
